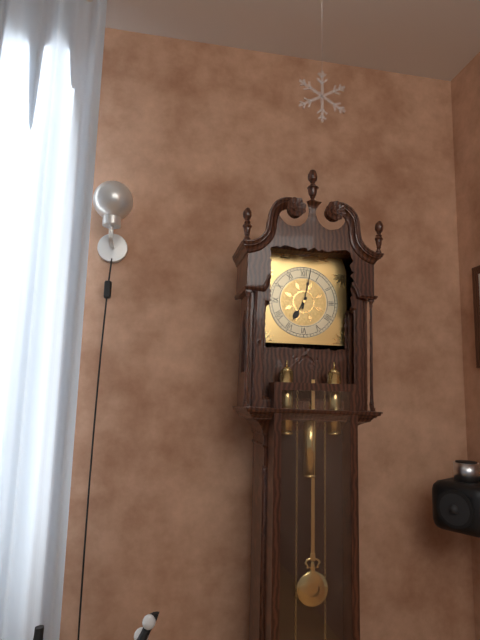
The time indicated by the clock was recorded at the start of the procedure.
7:02
